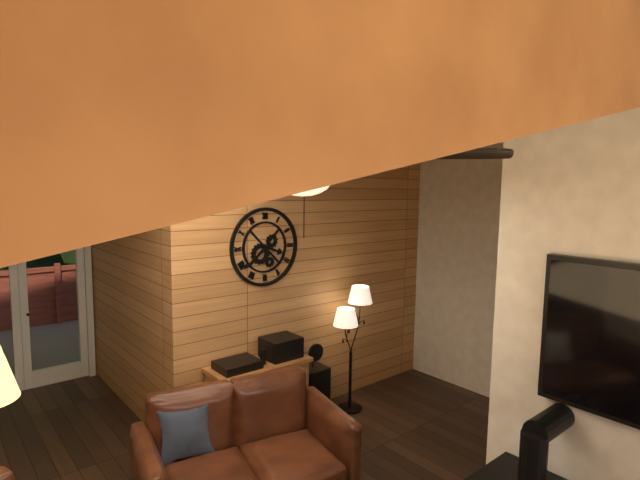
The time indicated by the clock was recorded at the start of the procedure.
3:39
